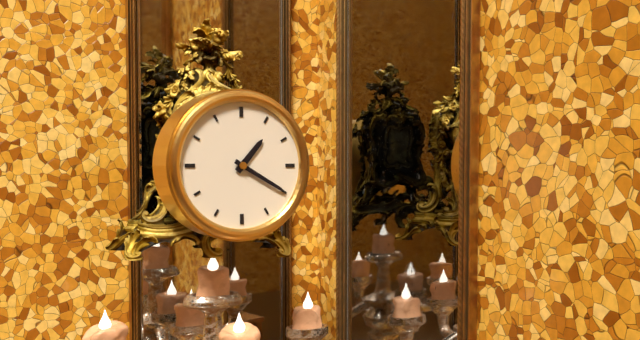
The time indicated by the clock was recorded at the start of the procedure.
1:20
